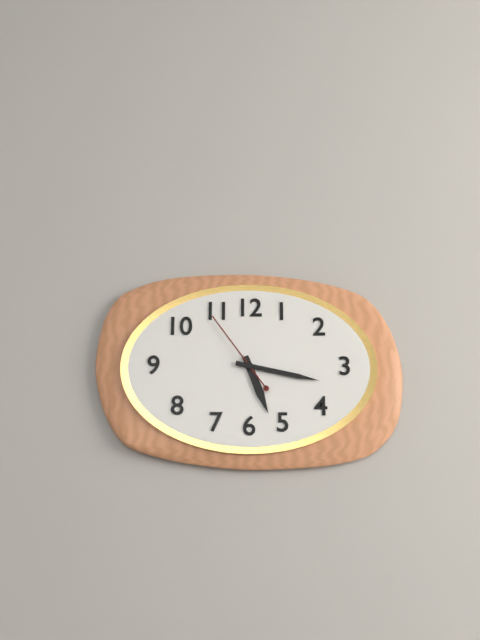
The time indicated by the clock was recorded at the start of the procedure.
5:17:54
